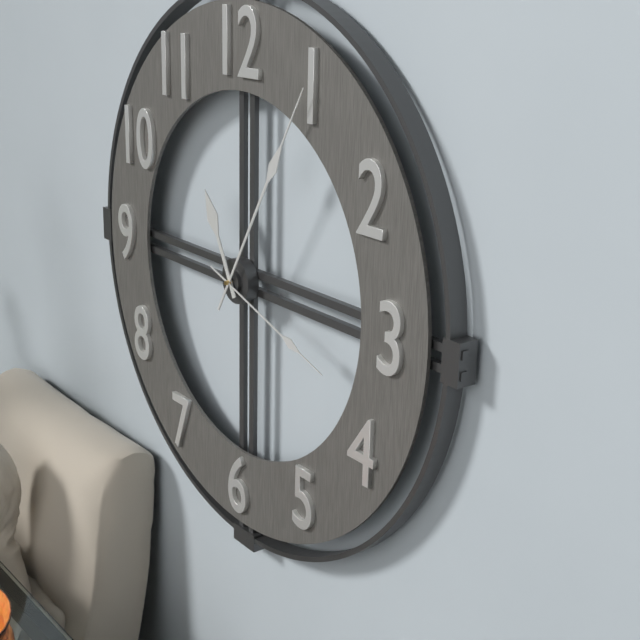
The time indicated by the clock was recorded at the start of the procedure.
11:05:18
